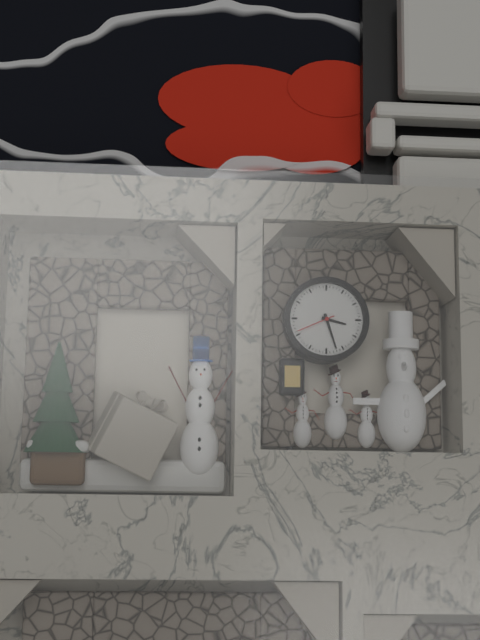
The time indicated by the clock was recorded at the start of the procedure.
3:27
